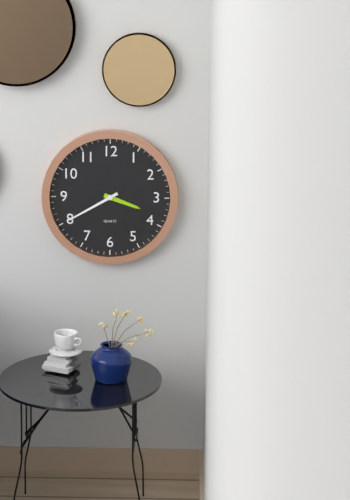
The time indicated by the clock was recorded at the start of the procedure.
3:40
